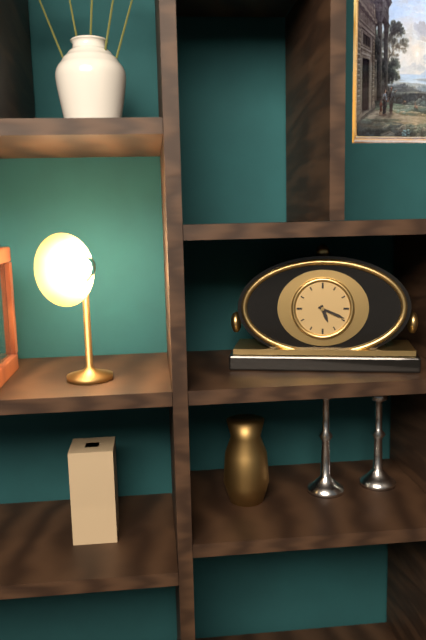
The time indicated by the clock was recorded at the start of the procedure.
5:19
